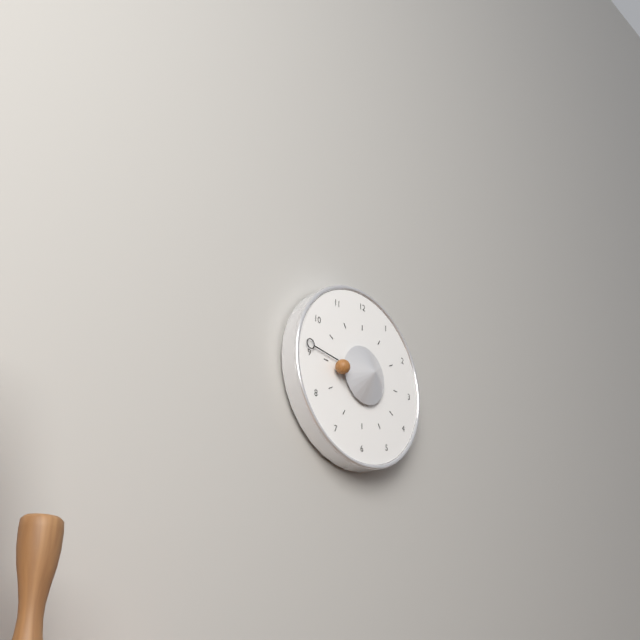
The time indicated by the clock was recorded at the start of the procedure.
8:46
